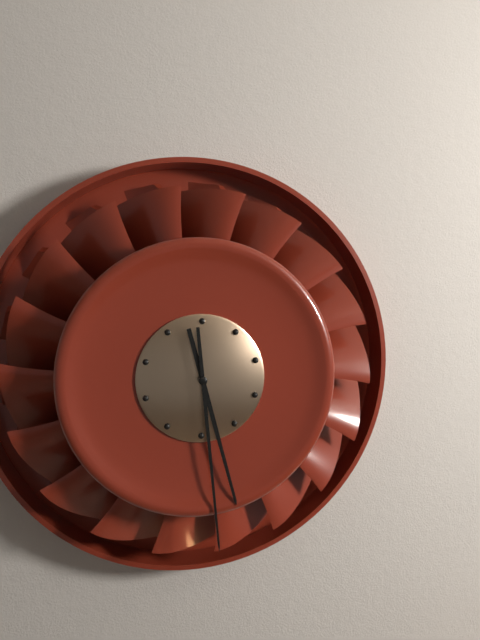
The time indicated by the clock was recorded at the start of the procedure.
5:29
